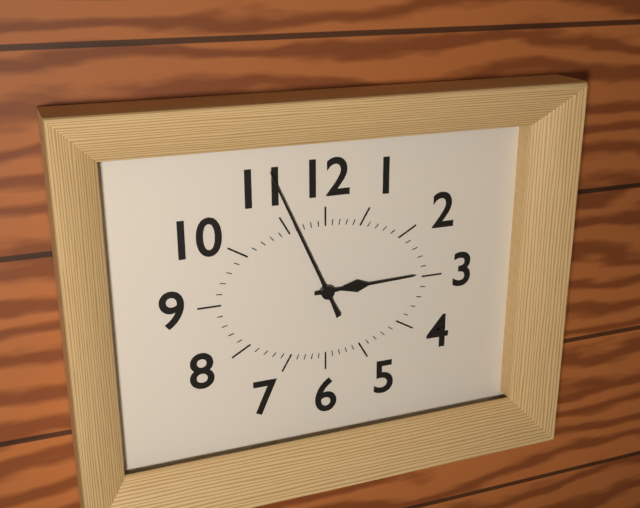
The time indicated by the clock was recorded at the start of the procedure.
2:56
